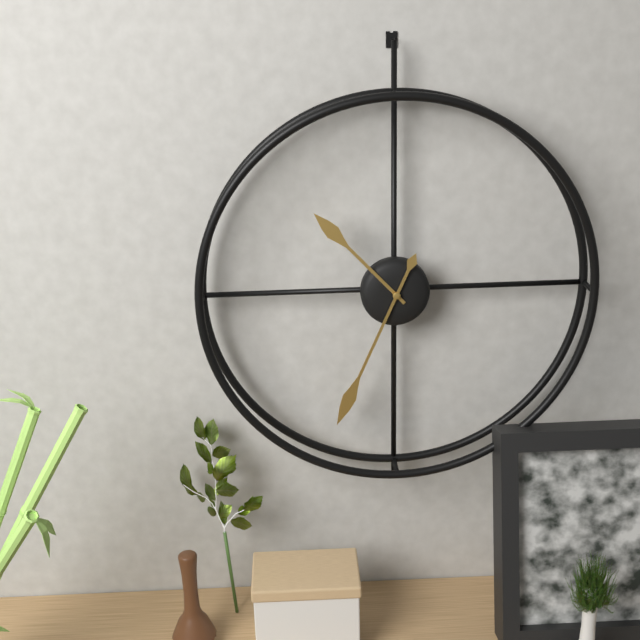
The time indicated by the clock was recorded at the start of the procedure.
10:34
